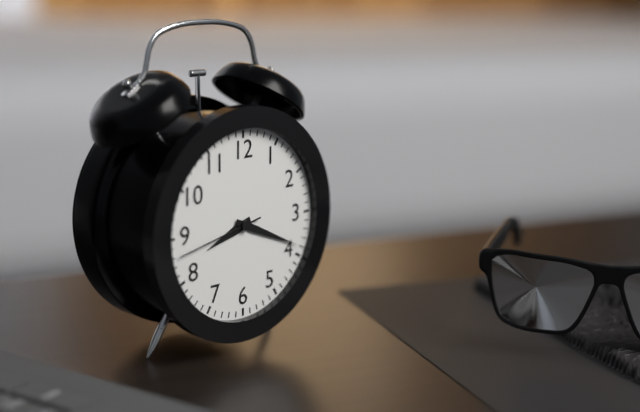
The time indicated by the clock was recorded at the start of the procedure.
8:19:43
